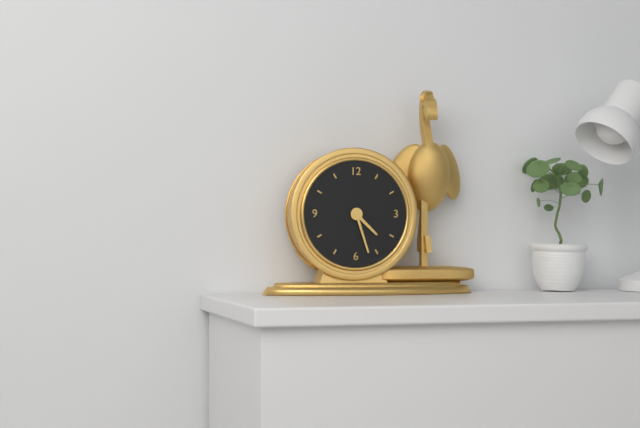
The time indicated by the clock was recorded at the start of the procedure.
4:27
